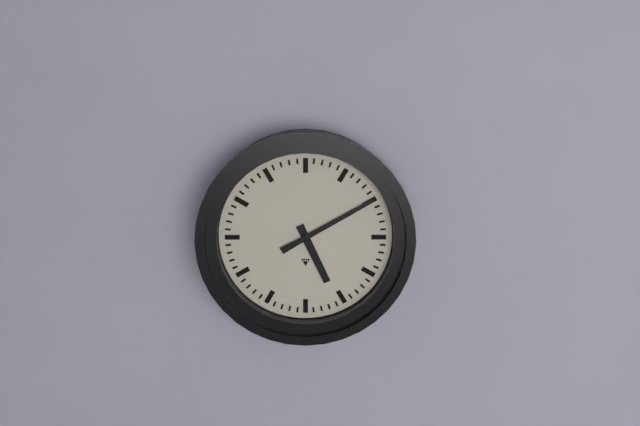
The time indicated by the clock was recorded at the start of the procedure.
5:10
